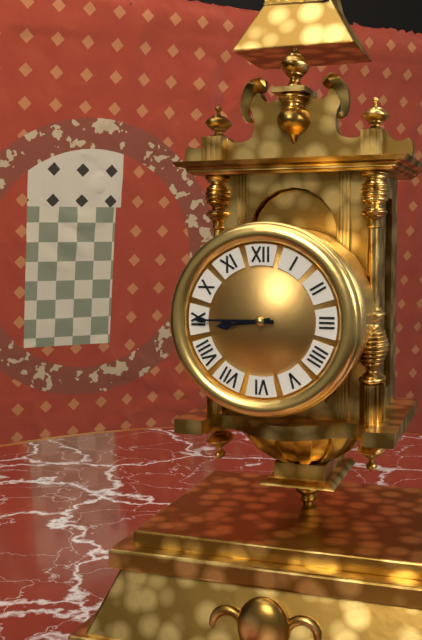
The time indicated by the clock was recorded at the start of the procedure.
8:45
